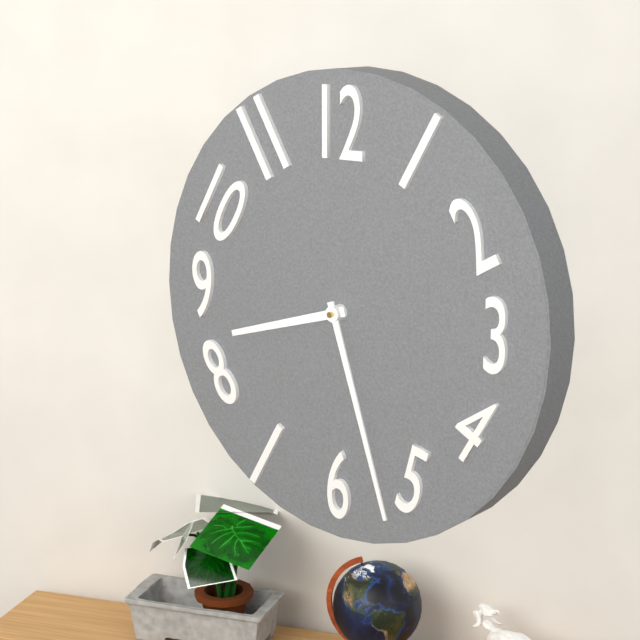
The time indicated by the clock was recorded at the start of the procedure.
8:27
